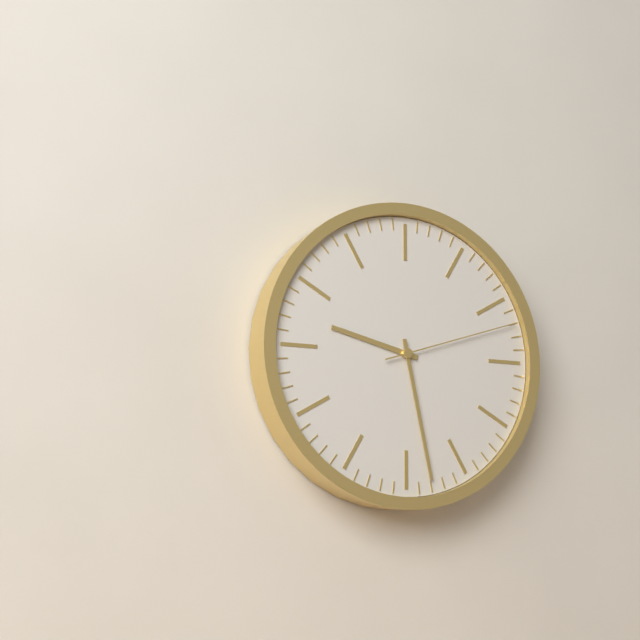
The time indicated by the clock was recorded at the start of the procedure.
9:28:12
